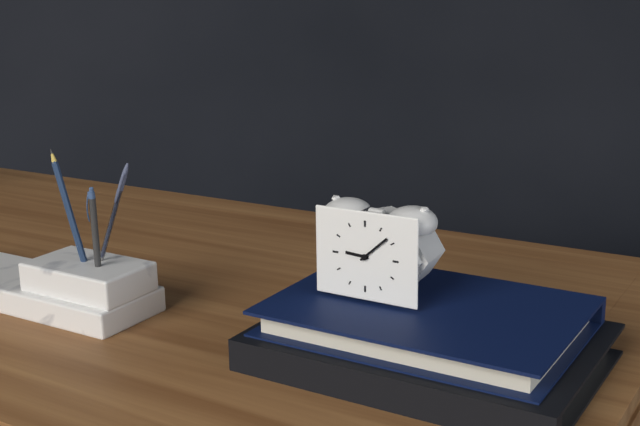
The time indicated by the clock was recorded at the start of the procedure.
9:08
